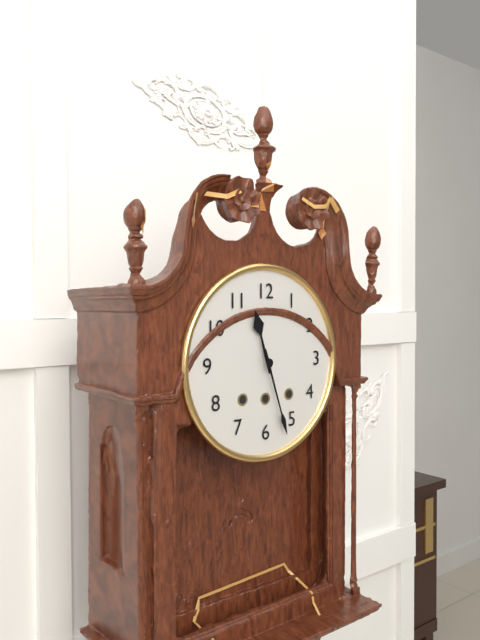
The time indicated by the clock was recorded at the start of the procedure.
11:27
